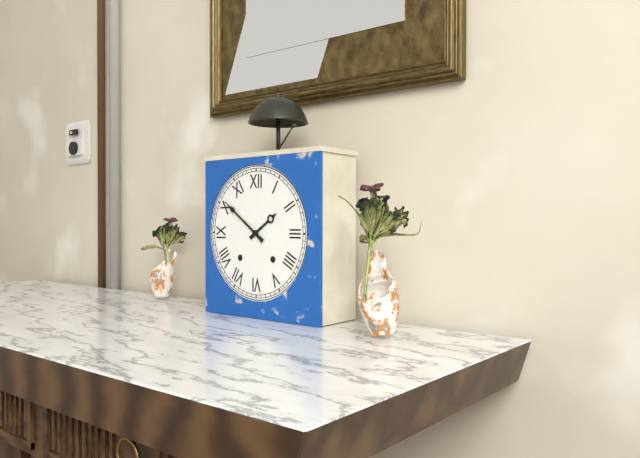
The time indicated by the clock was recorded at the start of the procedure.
1:51
